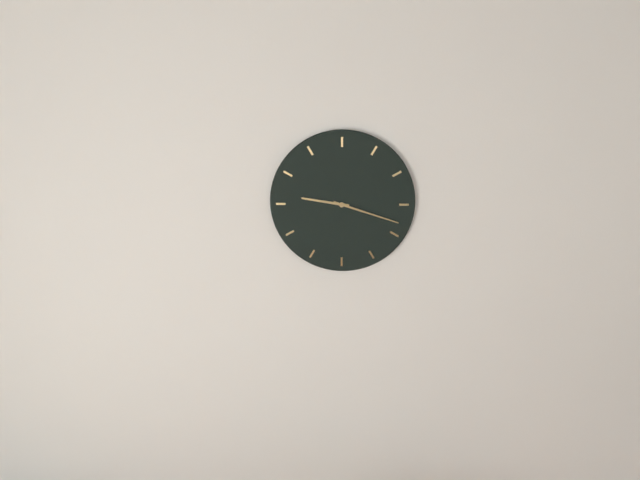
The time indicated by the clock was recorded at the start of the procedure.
9:18
